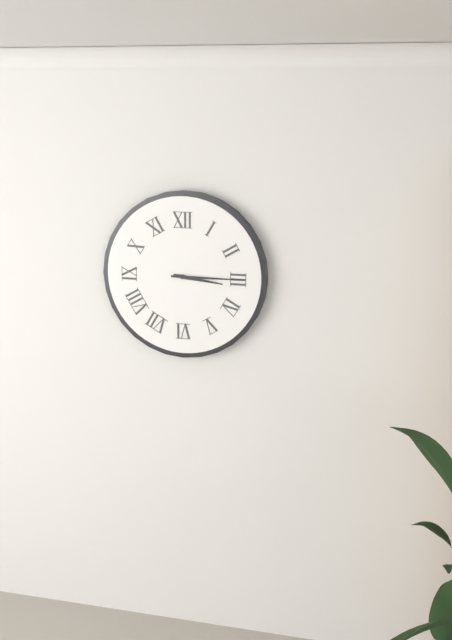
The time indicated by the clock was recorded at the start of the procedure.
3:15
